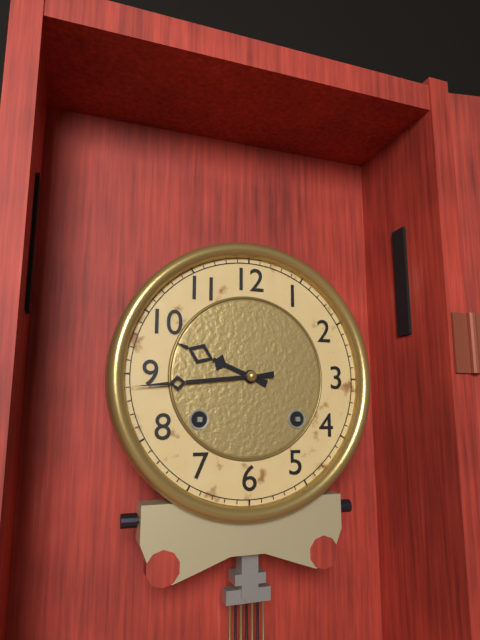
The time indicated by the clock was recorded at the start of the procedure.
9:44
